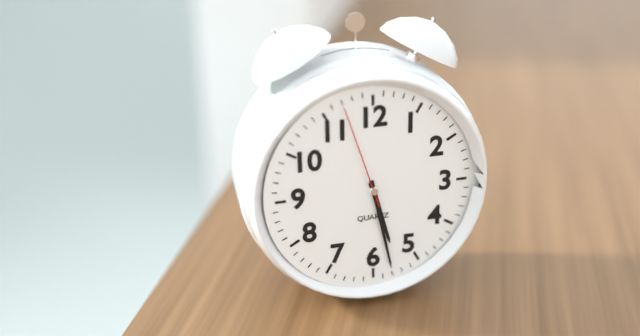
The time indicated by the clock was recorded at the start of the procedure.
5:28:57
